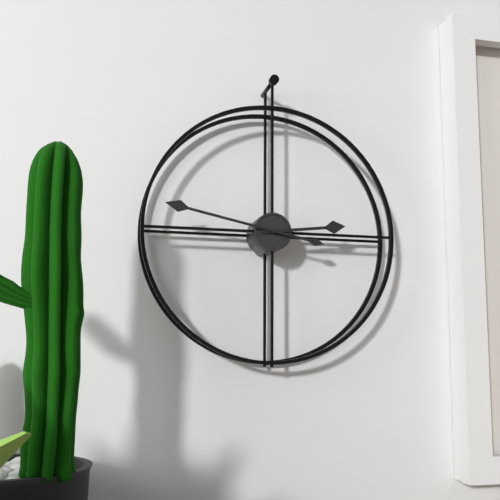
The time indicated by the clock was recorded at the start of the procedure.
2:47
